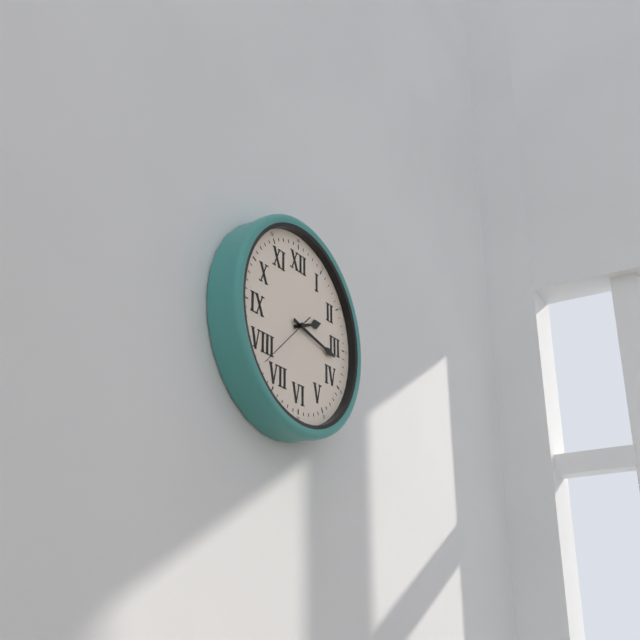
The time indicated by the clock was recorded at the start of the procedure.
2:17:38
